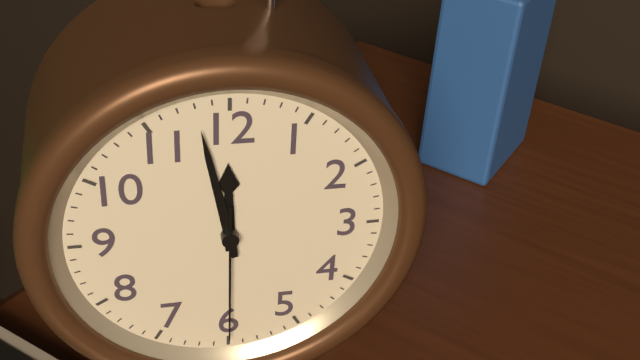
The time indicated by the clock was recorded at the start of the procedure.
11:58:30
